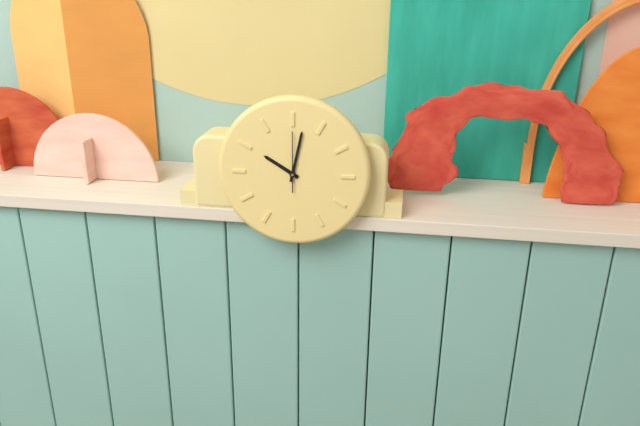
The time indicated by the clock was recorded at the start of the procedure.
10:02:00
